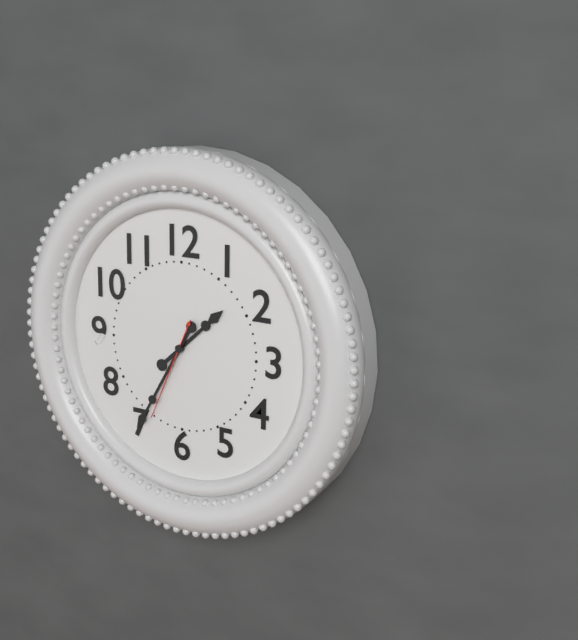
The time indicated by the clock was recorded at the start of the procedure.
1:35:34
